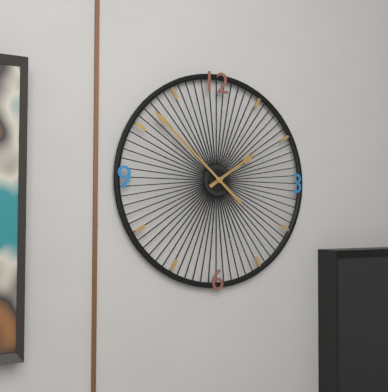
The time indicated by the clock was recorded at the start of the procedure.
1:52
